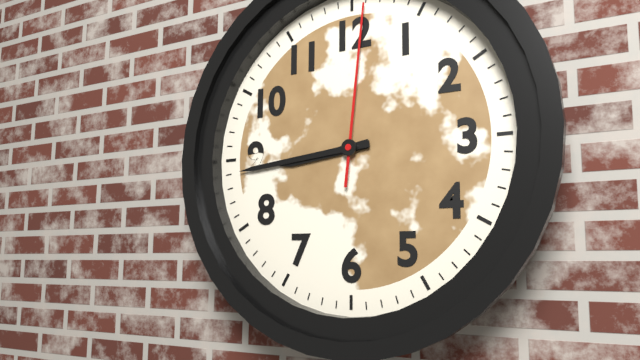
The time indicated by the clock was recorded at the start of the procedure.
8:44:01
